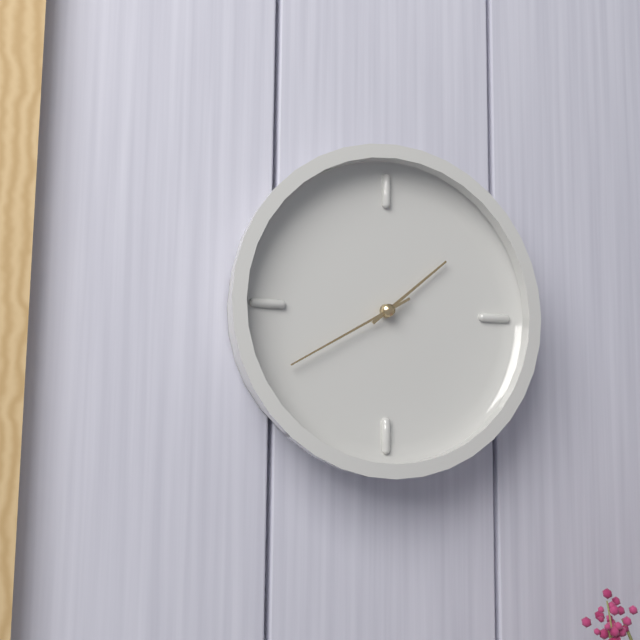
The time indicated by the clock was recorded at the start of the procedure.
1:40
